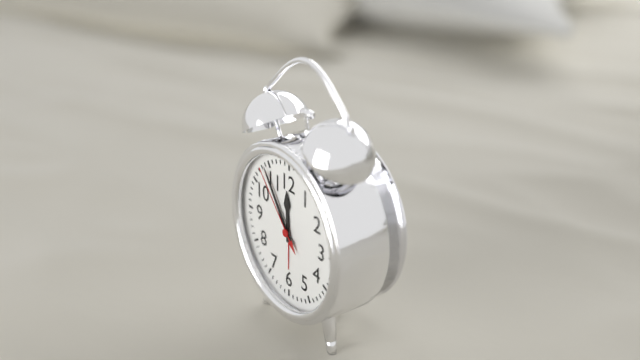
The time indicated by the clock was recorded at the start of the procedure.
11:54:53
